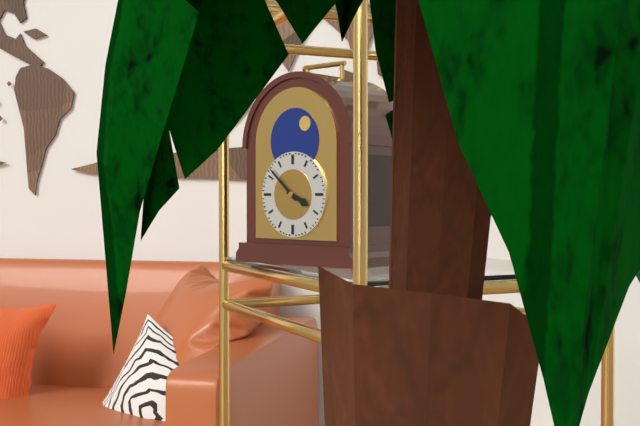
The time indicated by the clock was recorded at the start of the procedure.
3:52
